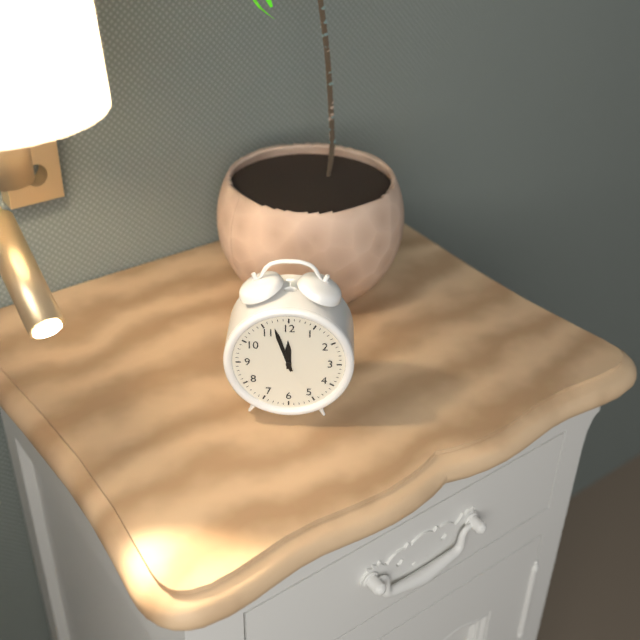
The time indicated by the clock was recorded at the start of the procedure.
11:57
